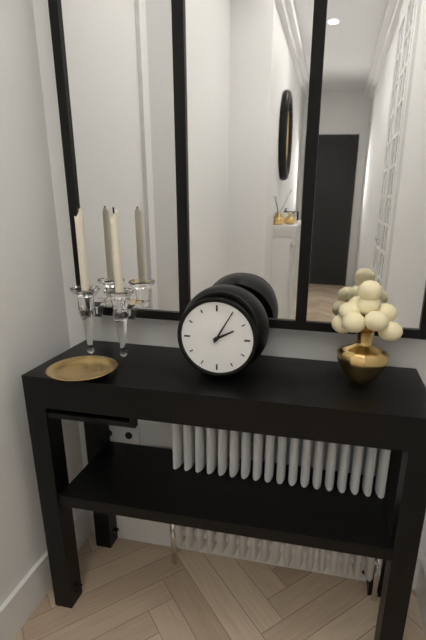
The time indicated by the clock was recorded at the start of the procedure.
2:05
